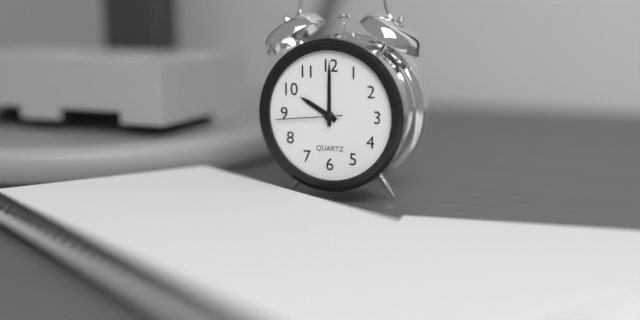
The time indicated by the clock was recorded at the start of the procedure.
10:00:44
